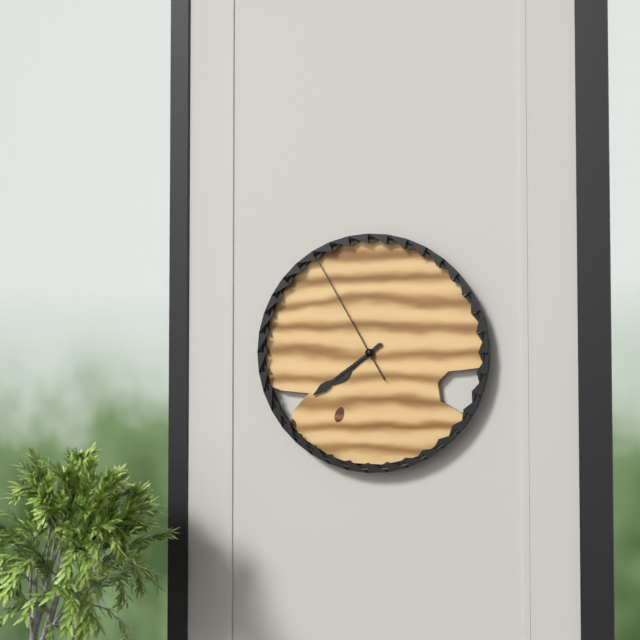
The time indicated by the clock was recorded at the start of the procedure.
7:39:55
